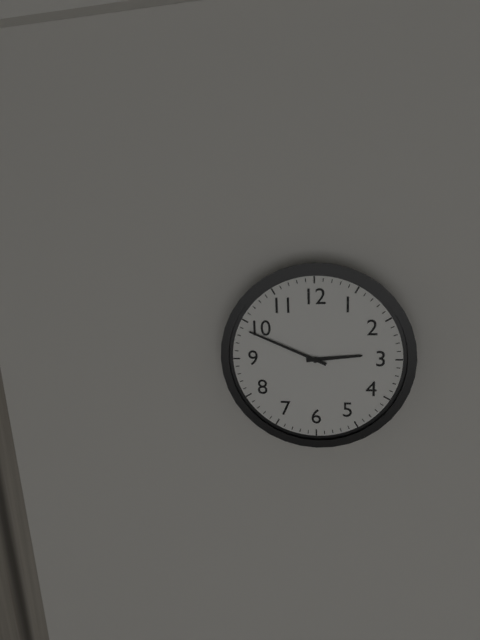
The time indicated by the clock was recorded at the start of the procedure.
2:49
